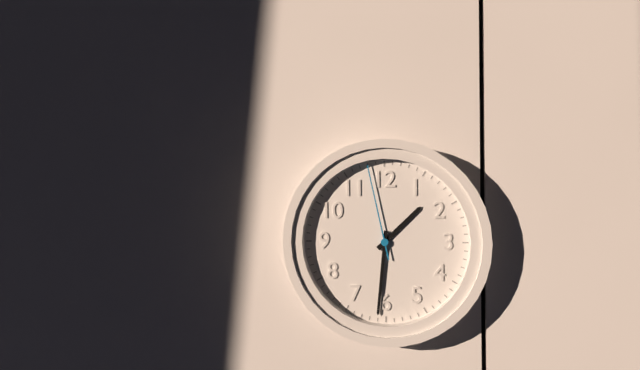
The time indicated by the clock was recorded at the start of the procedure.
1:31:58
